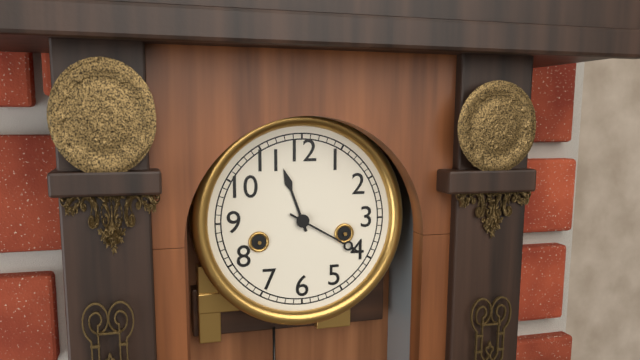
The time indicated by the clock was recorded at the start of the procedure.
11:20
